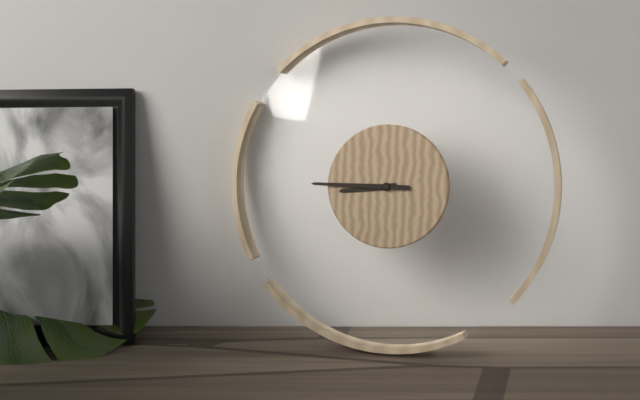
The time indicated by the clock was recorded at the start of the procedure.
8:45
